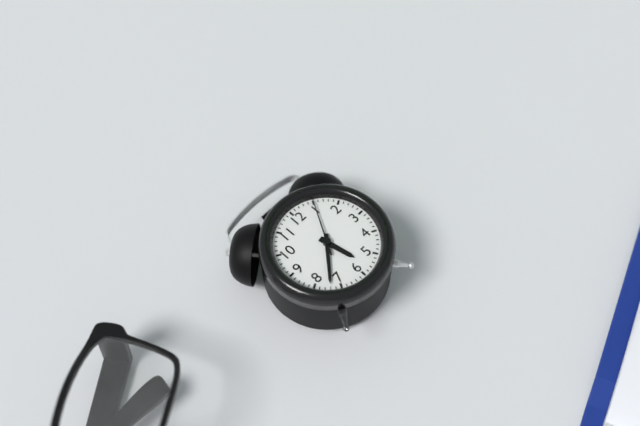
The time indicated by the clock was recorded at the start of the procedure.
5:37:05
